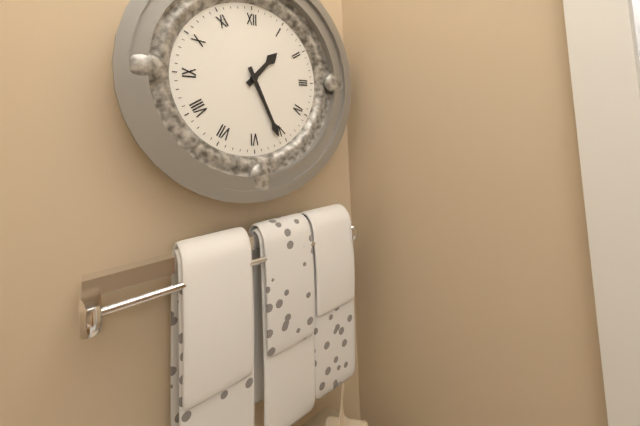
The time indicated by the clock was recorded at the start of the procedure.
1:26
